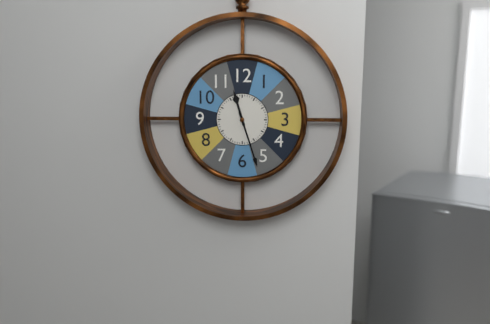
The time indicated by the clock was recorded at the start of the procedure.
11:27
